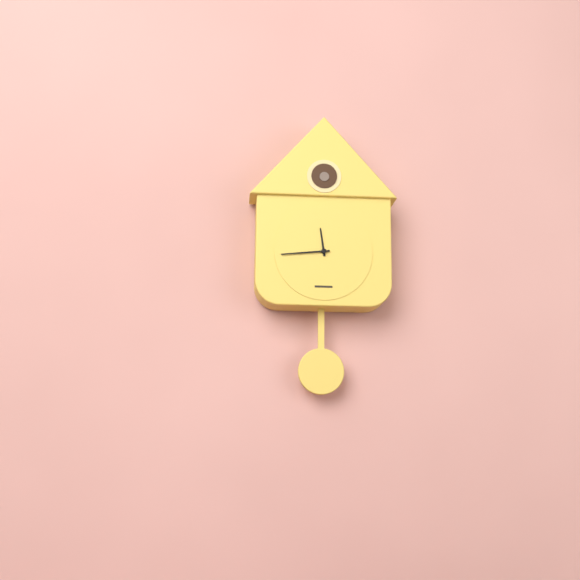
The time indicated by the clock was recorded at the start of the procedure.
11:44
